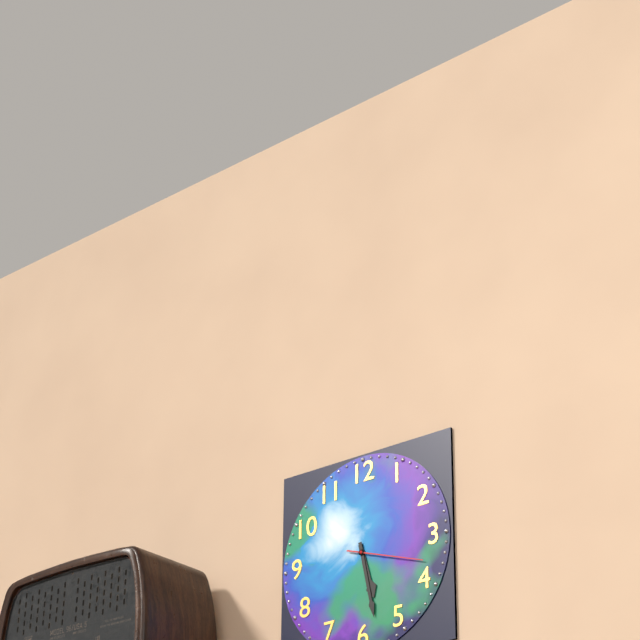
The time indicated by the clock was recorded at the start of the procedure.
5:28:18
